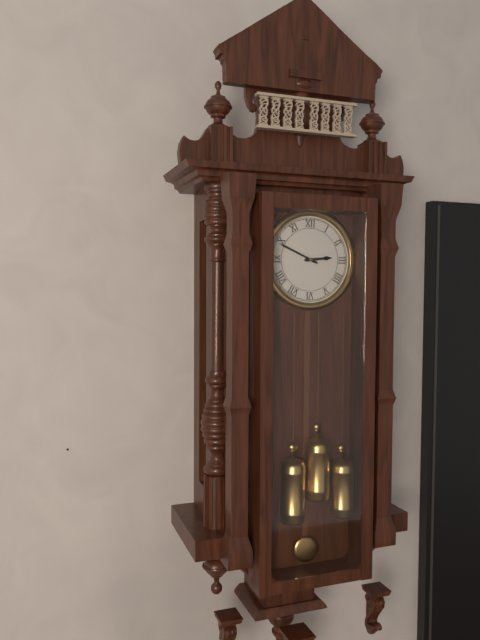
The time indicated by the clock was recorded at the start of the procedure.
2:49
